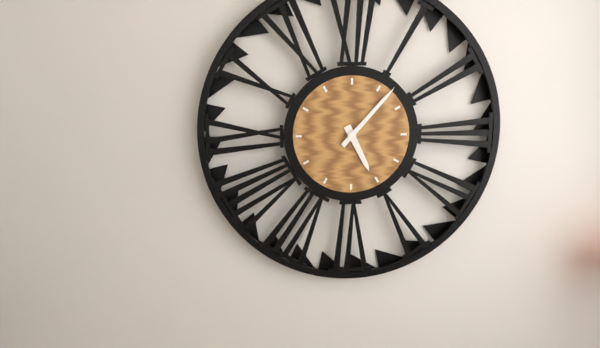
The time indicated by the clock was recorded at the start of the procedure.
5:07
